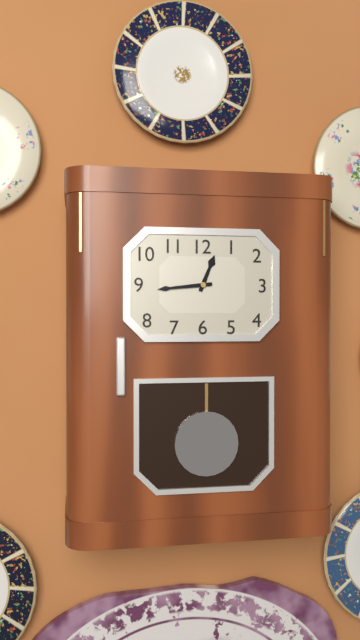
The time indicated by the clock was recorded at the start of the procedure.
12:44
